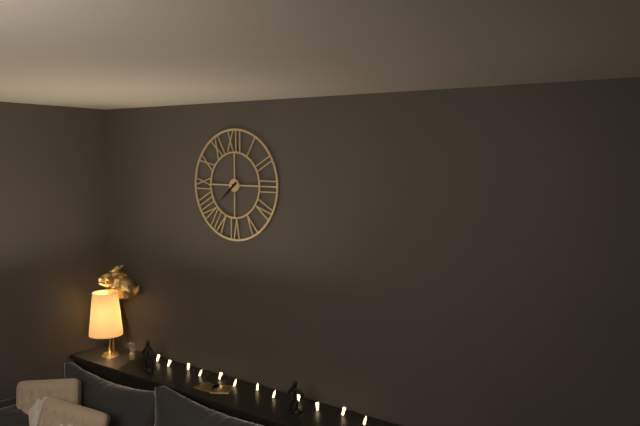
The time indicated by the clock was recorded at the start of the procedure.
7:38
